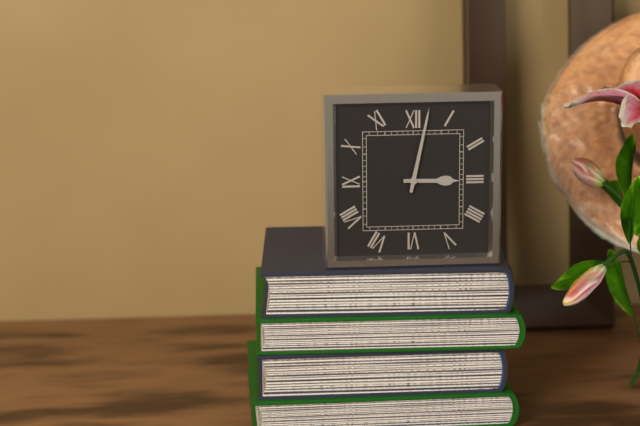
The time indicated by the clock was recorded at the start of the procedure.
3:02
